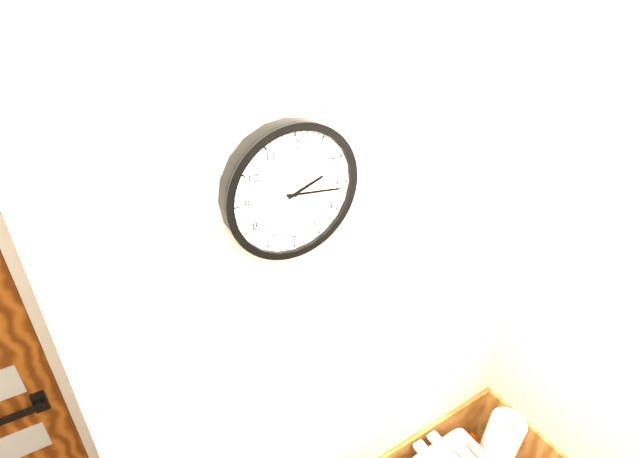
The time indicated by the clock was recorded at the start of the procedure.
2:16
